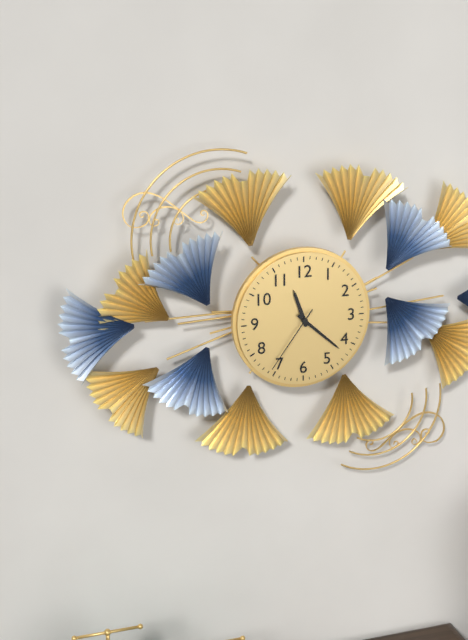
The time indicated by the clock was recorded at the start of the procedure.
11:22:36
